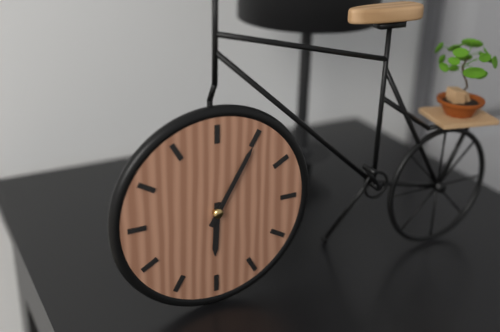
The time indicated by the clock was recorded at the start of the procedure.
6:05
